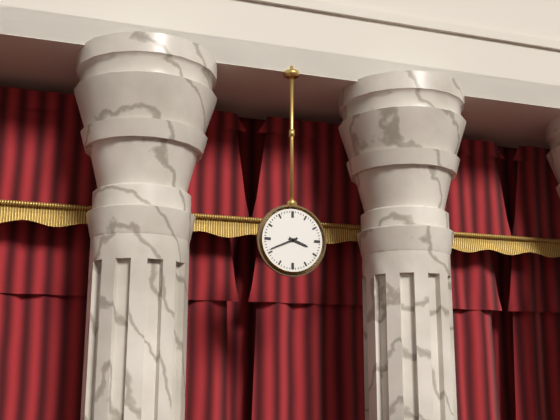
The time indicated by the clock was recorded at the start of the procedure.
3:41
